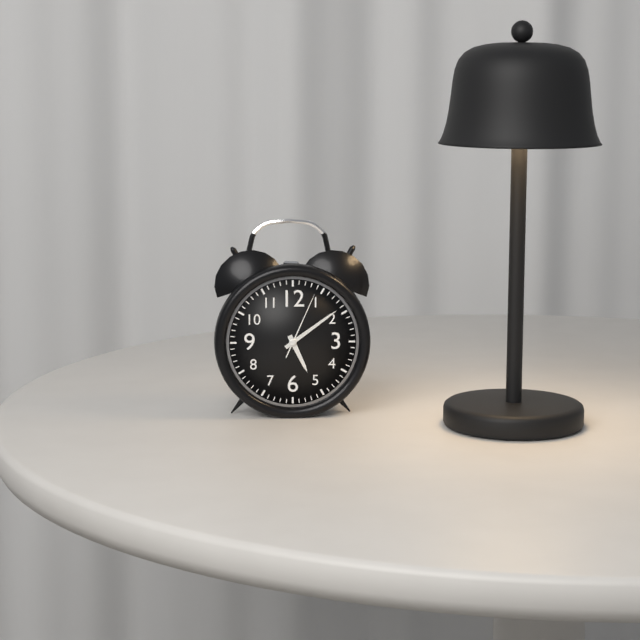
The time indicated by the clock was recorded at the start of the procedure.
5:09:04
